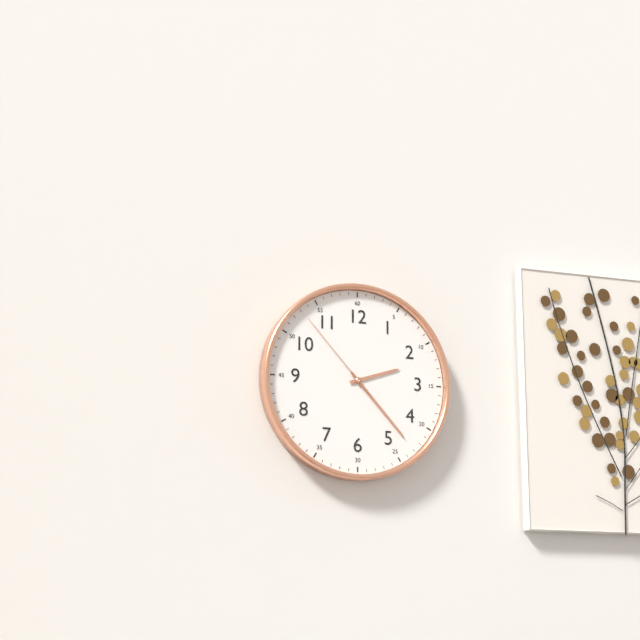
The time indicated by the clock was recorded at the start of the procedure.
2:23:53
